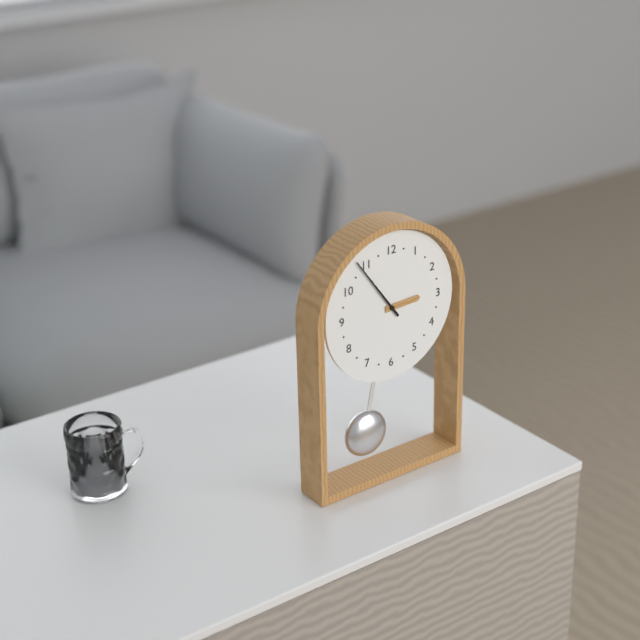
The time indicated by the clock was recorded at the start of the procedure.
2:54
